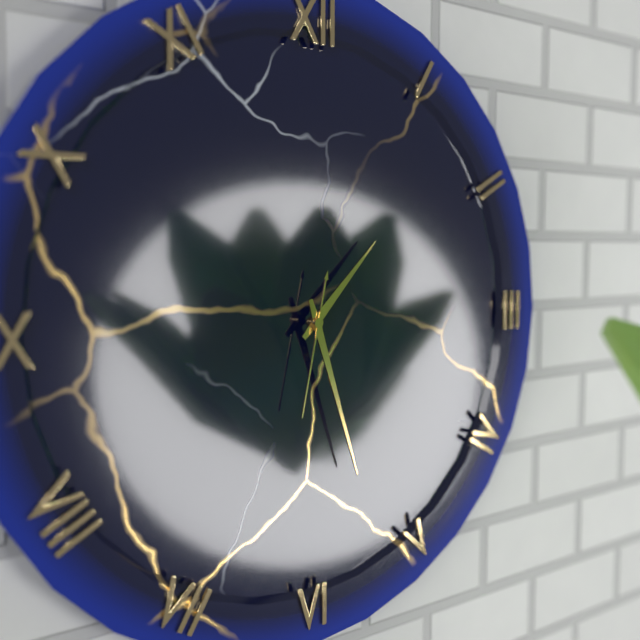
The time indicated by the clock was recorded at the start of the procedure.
1:27:32
